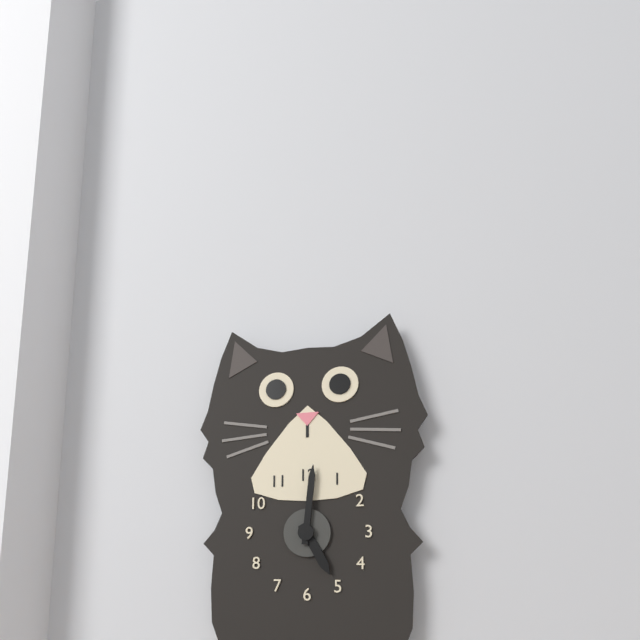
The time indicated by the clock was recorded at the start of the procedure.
5:01
